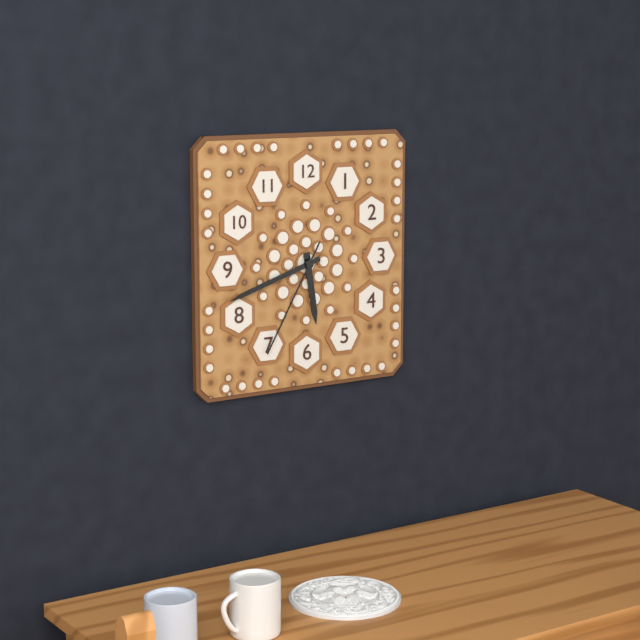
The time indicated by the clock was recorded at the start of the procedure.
5:42:35
